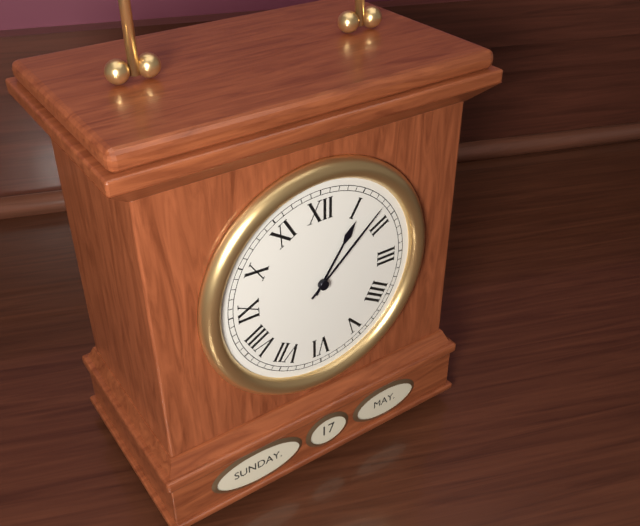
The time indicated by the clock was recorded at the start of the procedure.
1:08
